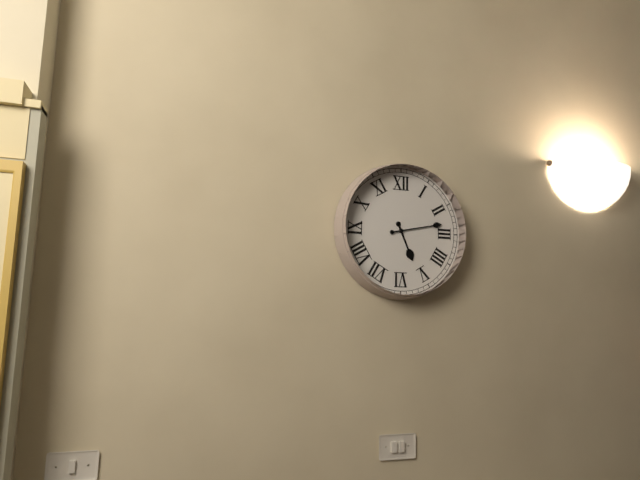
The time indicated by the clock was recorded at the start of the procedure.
5:13
